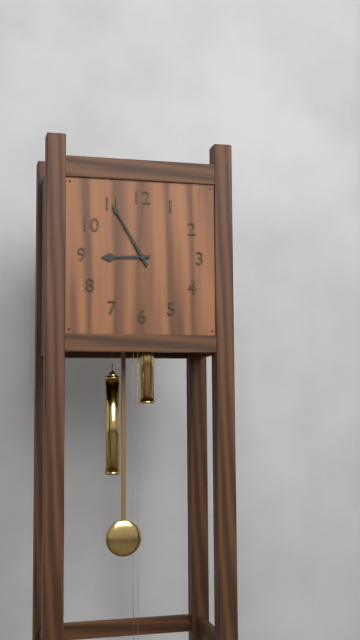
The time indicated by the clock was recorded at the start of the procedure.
8:55
